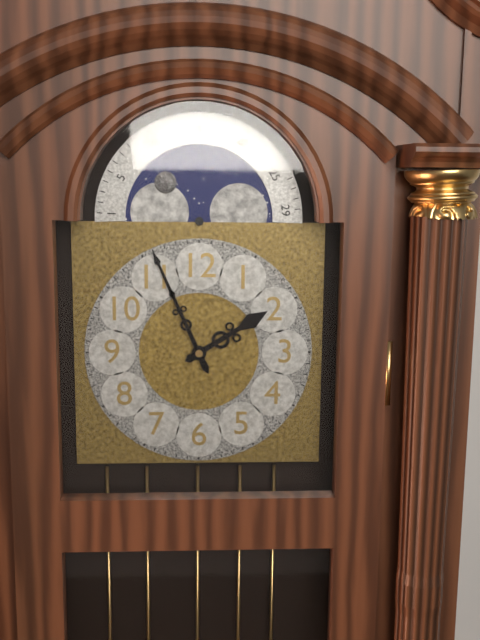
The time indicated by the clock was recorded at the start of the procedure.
1:56
